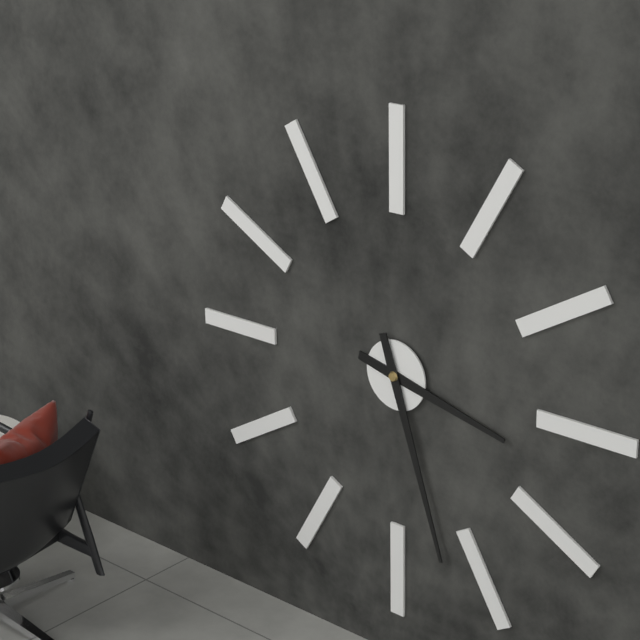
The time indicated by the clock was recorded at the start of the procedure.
3:27
